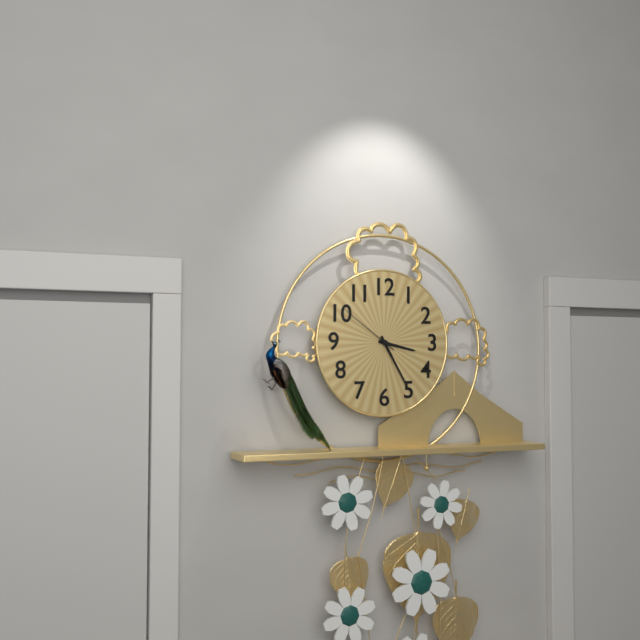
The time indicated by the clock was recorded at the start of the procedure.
3:25:51
